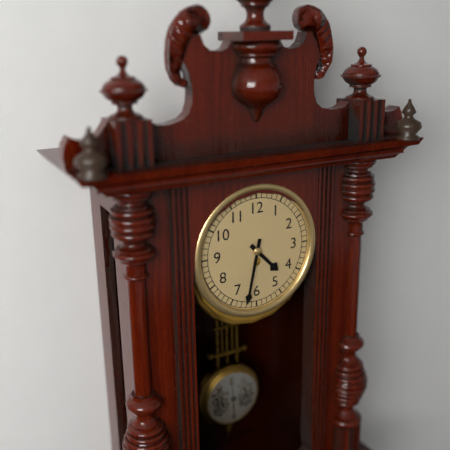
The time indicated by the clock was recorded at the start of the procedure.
4:32
